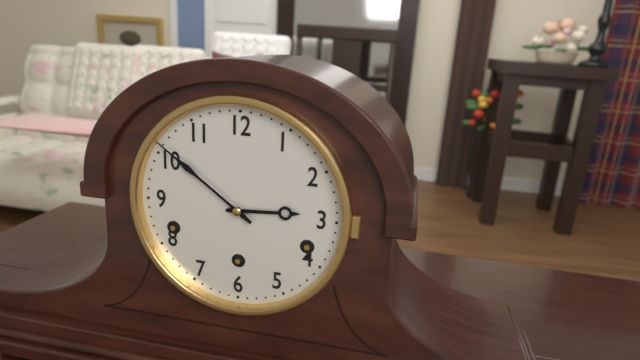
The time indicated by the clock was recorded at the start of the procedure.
2:51
